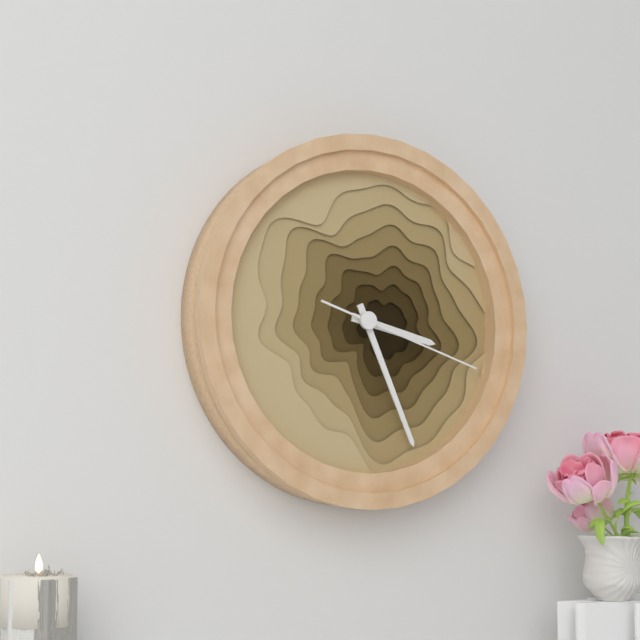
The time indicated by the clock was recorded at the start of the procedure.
3:26:18
